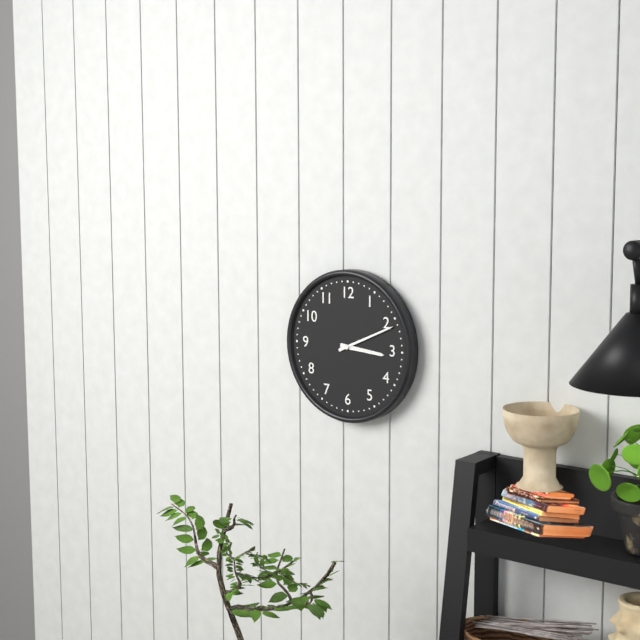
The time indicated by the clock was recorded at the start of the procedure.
3:11
